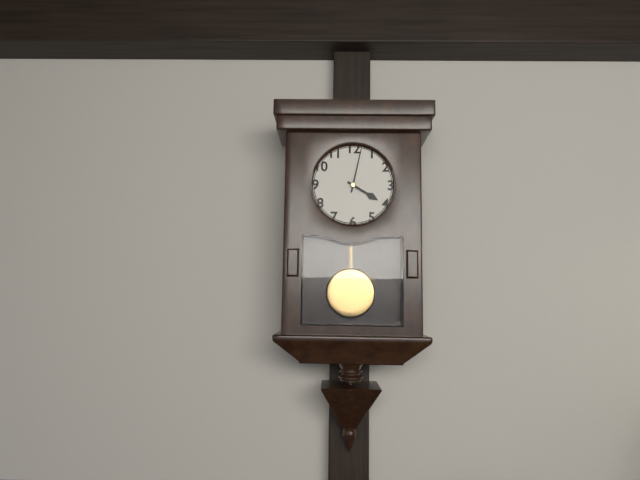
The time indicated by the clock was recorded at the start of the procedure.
4:02
